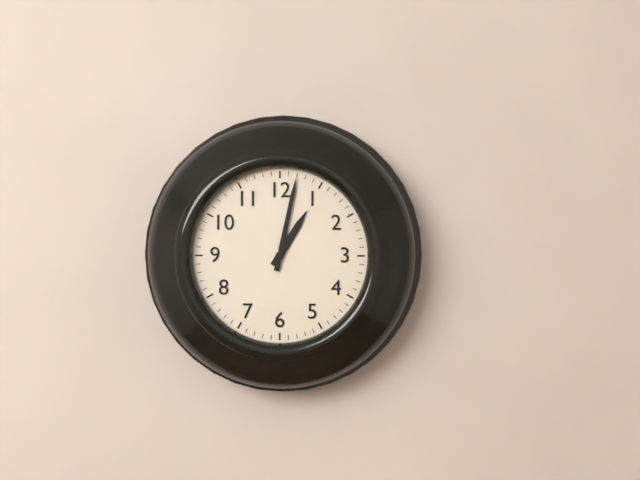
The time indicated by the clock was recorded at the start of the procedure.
1:02
